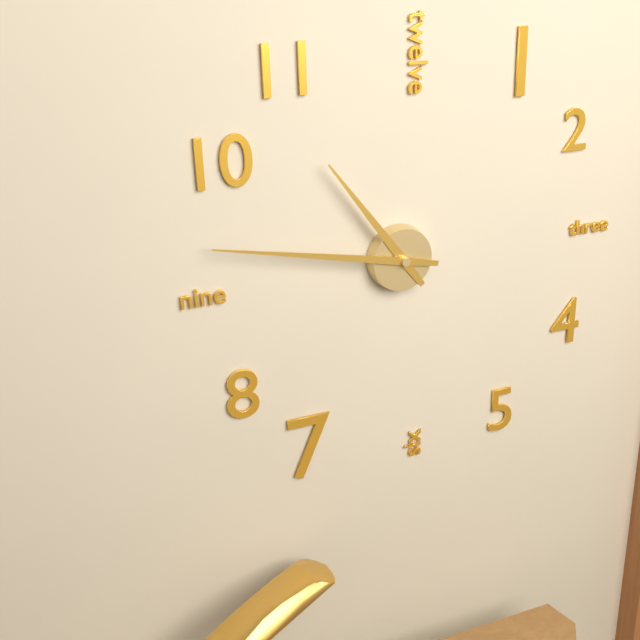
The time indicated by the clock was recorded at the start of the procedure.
10:47
